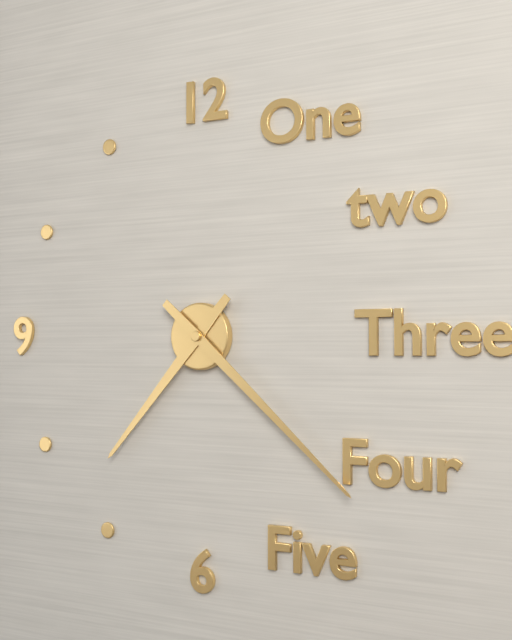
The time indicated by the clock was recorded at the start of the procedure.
7:22
